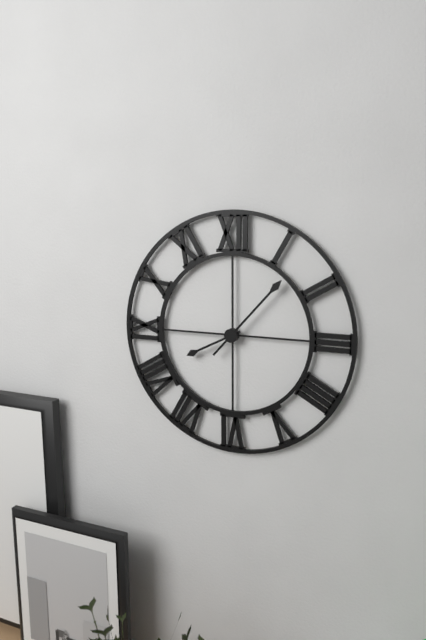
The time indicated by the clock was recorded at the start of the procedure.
8:07
